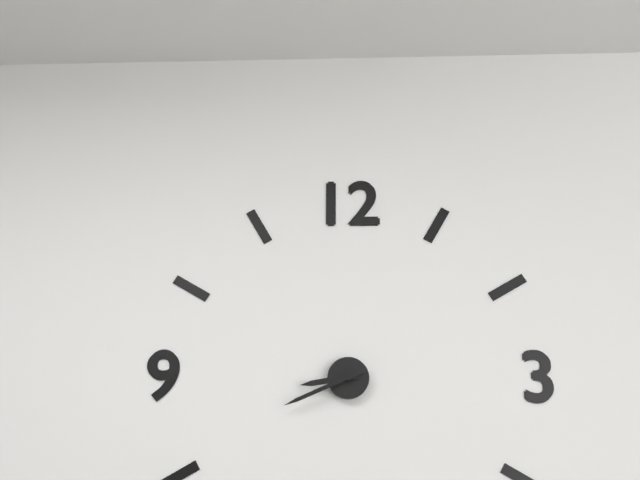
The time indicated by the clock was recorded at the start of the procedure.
8:41
